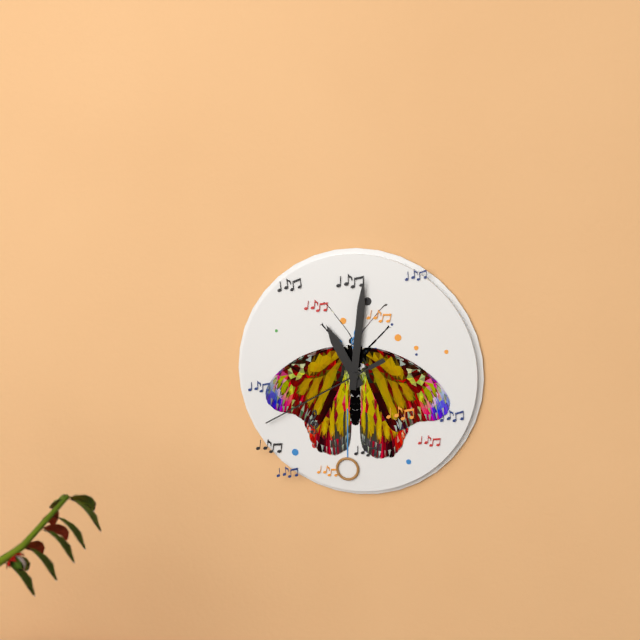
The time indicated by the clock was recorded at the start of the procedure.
11:01:40
